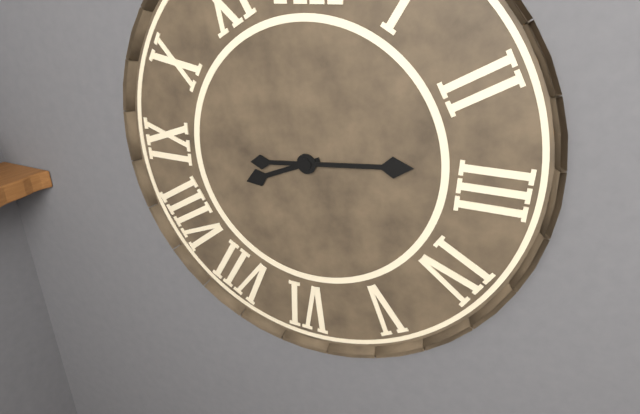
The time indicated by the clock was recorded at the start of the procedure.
8:14
